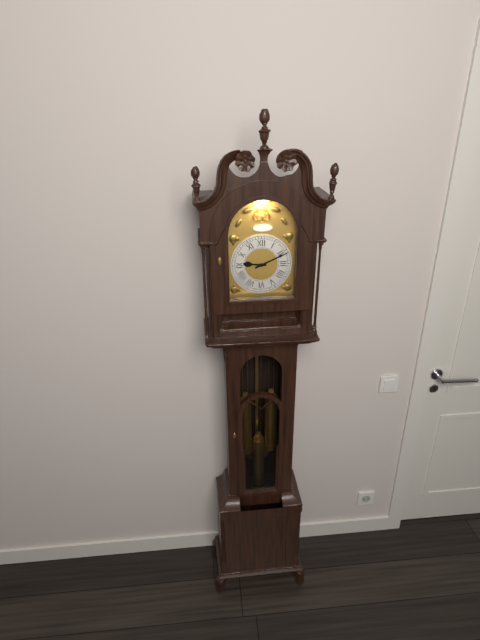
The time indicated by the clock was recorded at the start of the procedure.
9:11
